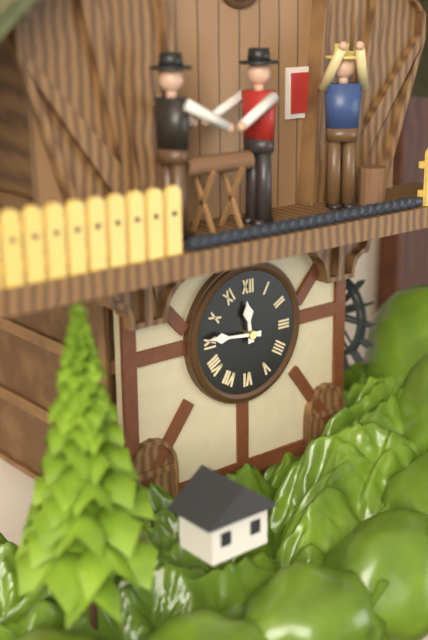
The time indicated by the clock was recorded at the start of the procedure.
11:46
